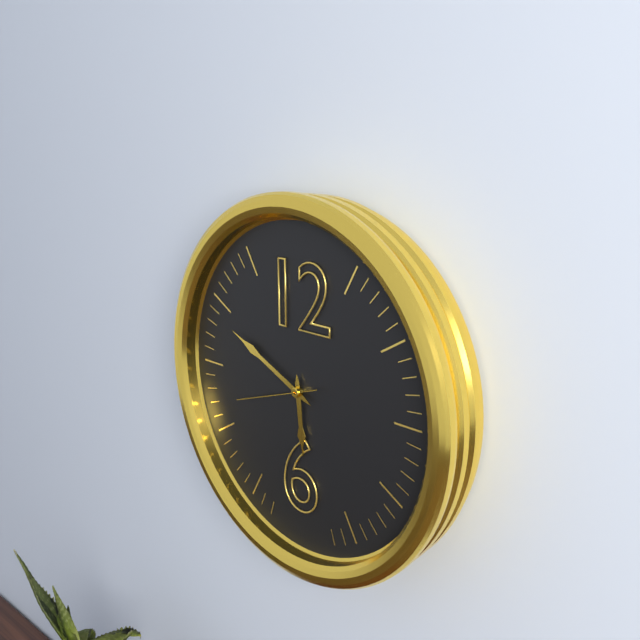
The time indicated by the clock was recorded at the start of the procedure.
5:49:42
